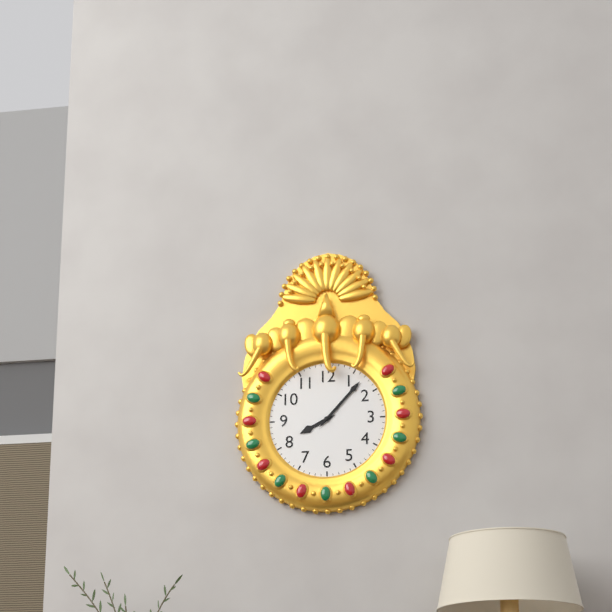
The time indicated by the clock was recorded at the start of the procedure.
8:07
